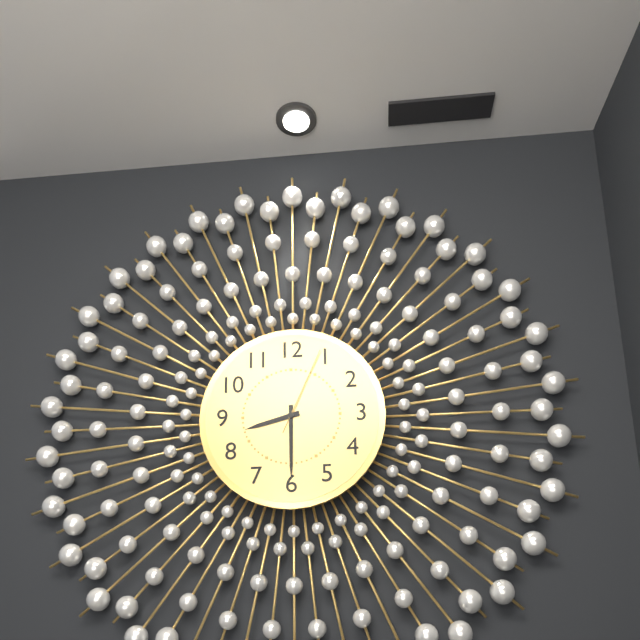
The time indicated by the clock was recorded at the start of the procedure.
8:30:04
